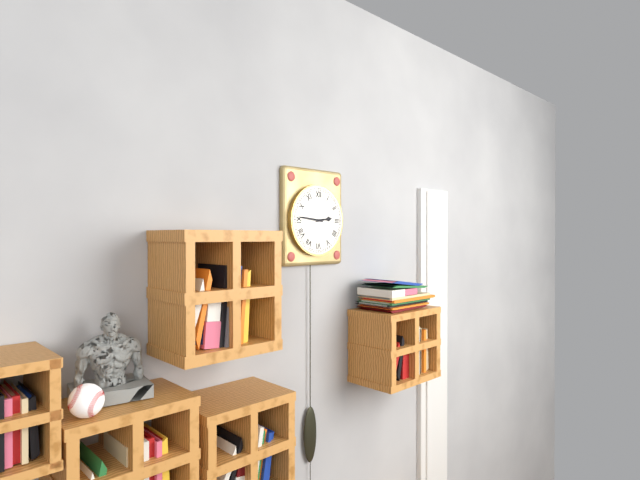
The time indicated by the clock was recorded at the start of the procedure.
2:46
